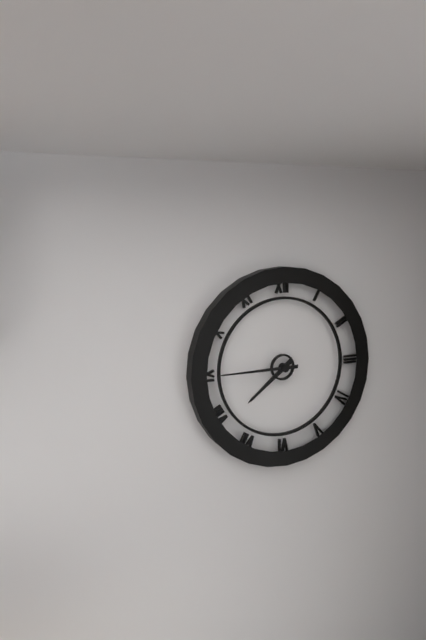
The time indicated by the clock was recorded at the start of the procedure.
7:45
